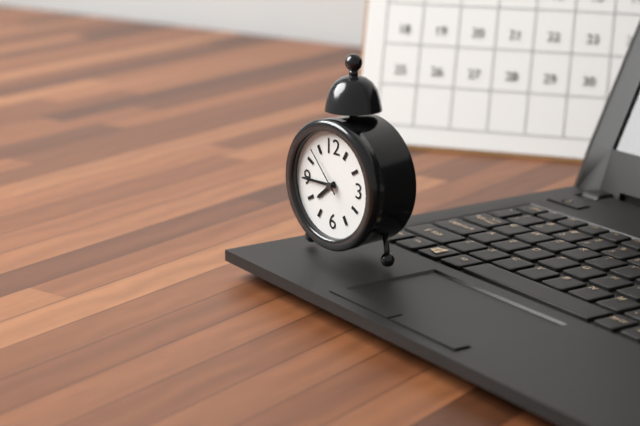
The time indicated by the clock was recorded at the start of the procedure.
7:45:53
